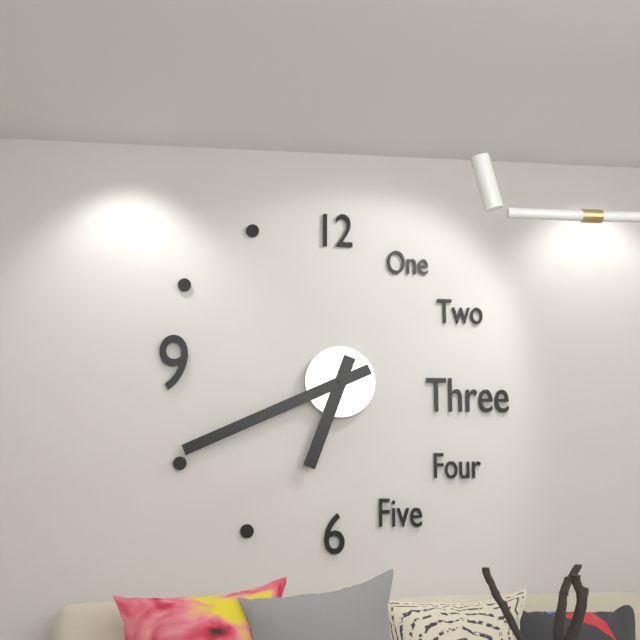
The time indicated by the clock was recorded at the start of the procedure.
6:41
